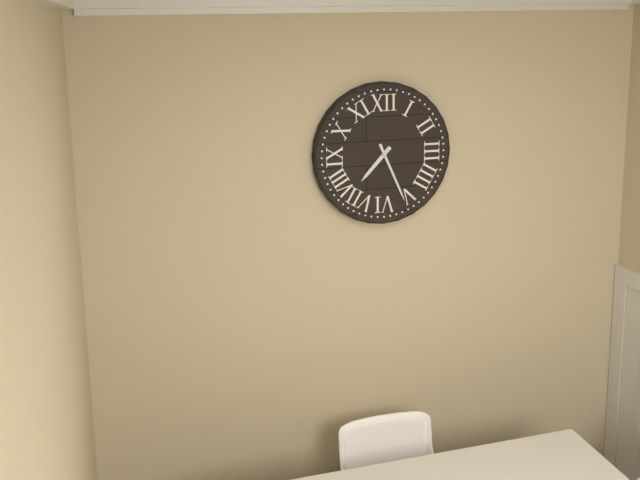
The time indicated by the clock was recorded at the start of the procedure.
7:26
